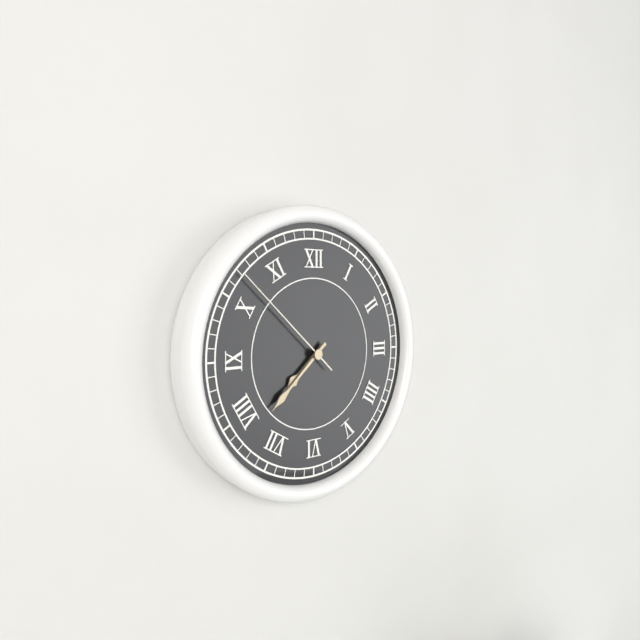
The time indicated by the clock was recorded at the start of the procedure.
7:38:52
